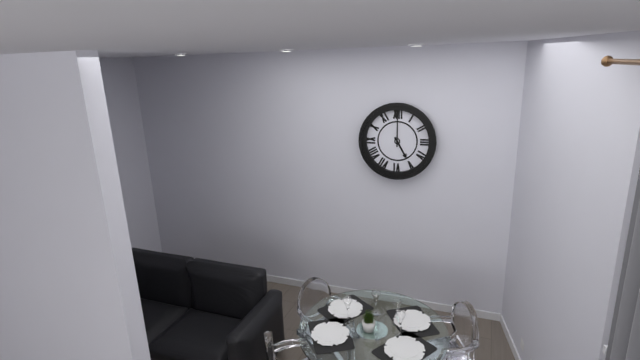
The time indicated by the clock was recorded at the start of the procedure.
5:00
